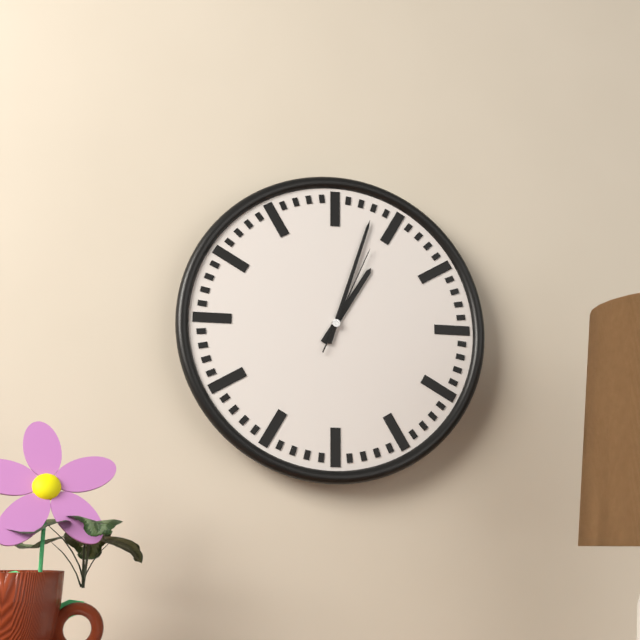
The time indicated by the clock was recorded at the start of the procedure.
1:03:04
